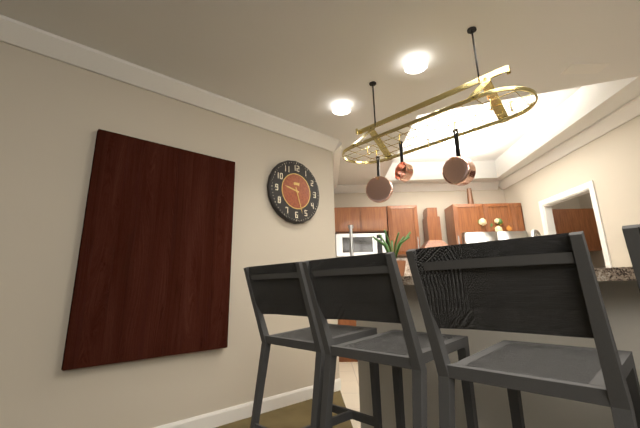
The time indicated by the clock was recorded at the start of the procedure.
9:27
